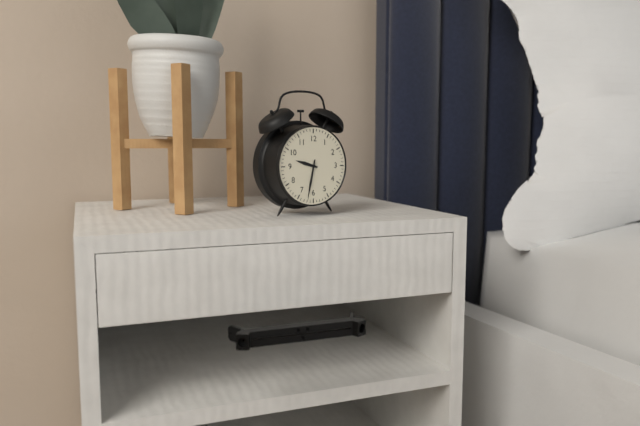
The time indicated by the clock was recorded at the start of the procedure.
9:32
